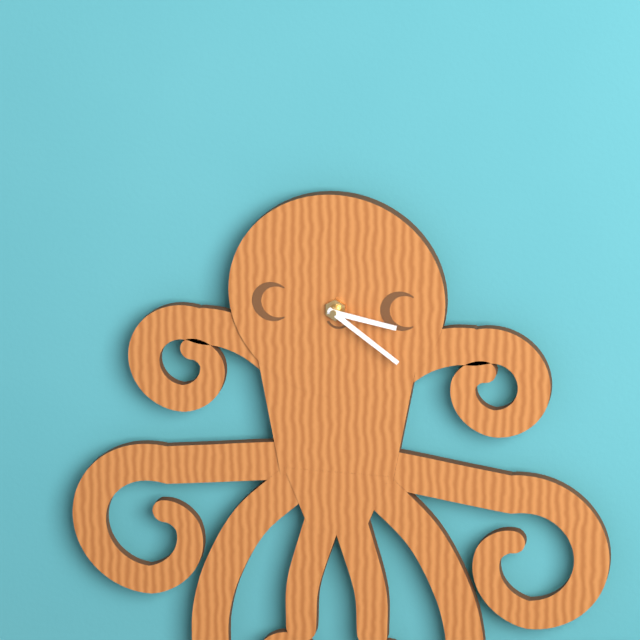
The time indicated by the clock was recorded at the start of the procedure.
3:21
